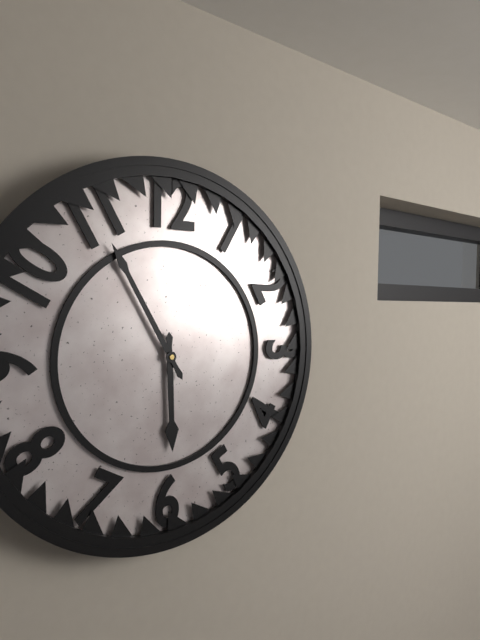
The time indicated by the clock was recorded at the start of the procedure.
5:55
